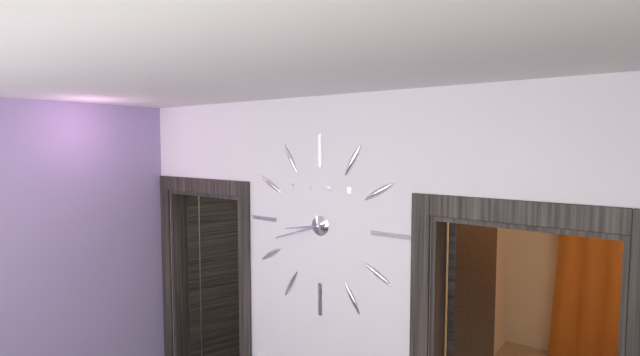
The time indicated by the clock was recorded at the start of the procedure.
8:42
